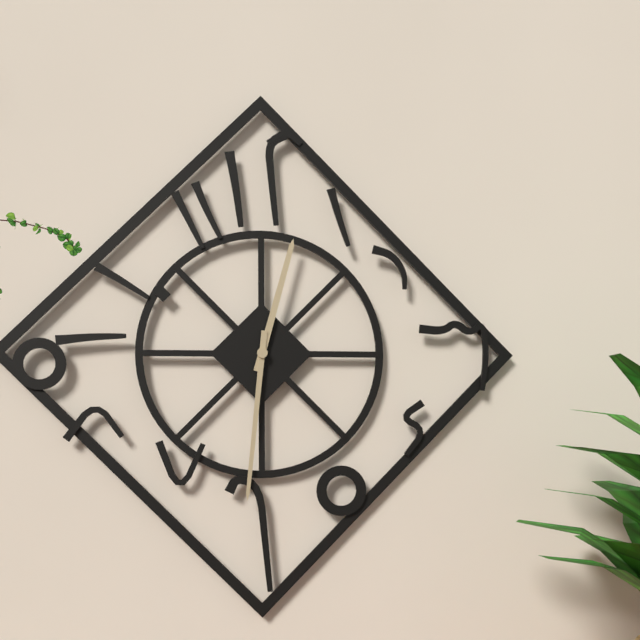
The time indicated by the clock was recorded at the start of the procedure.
12:31
